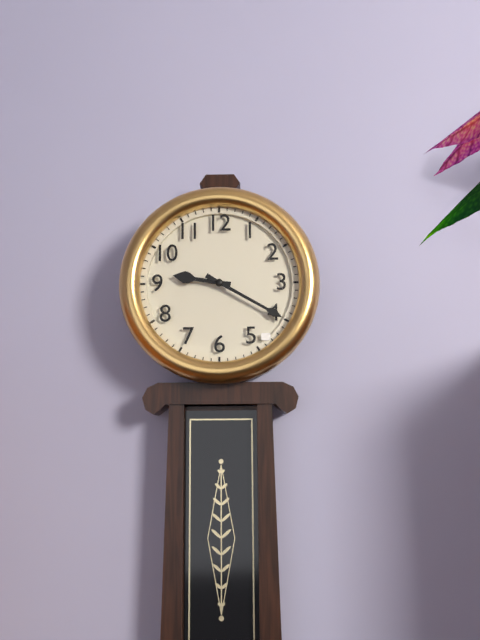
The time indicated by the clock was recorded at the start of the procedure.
9:20
